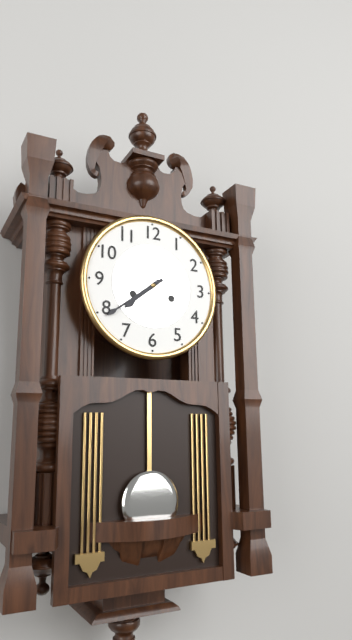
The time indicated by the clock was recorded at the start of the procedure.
7:39
